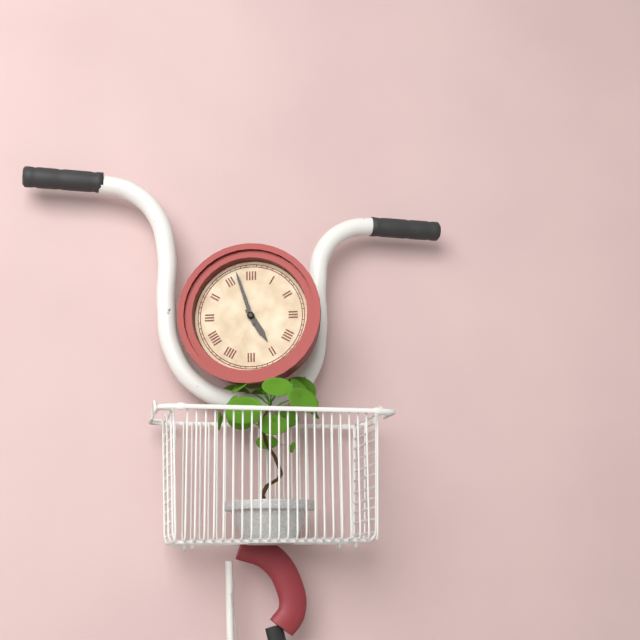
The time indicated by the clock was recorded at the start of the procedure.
4:57
